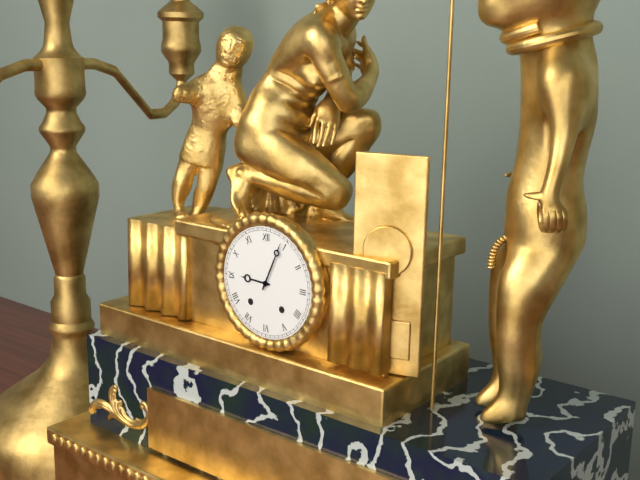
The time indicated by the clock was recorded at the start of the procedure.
9:04
